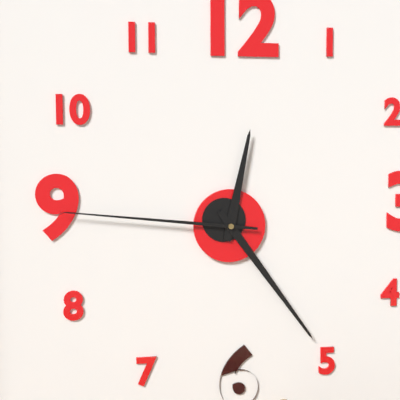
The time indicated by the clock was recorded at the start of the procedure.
12:24:46
